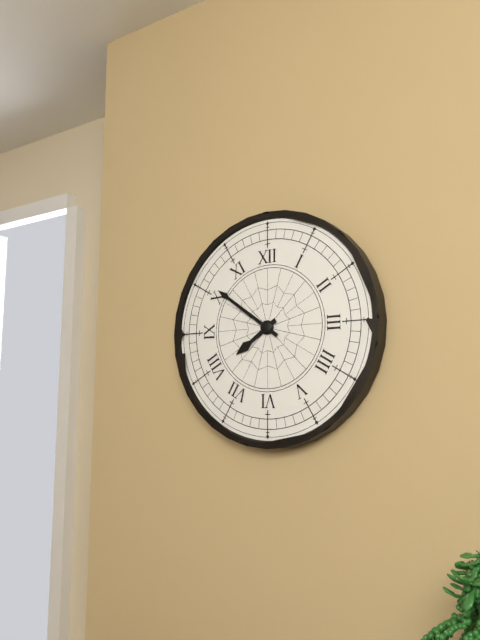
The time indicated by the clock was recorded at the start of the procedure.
7:51
